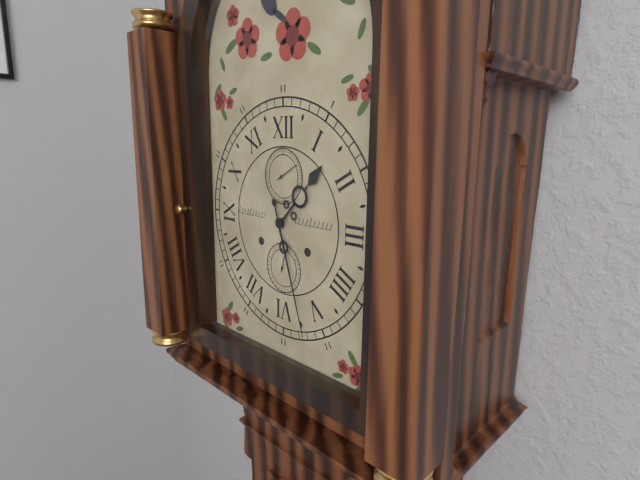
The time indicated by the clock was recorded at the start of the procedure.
1:27
